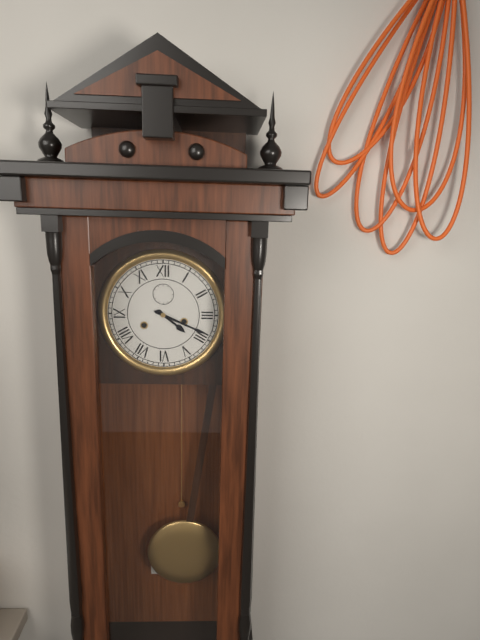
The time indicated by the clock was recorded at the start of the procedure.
4:19
